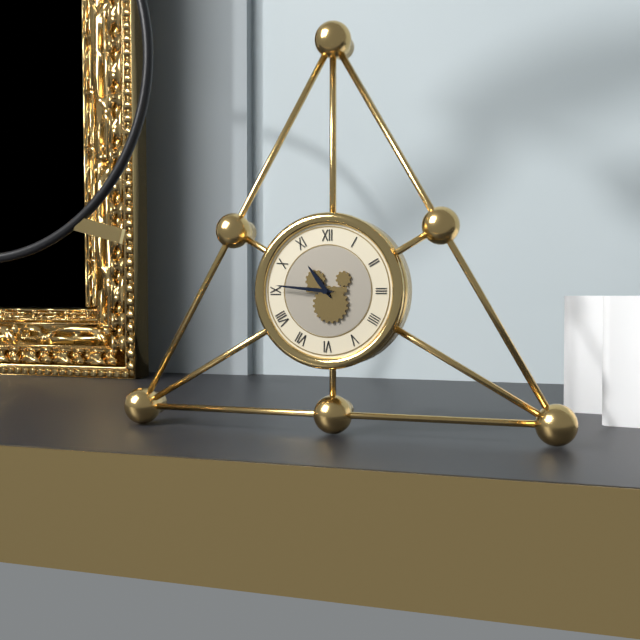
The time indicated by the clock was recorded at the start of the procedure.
10:46
